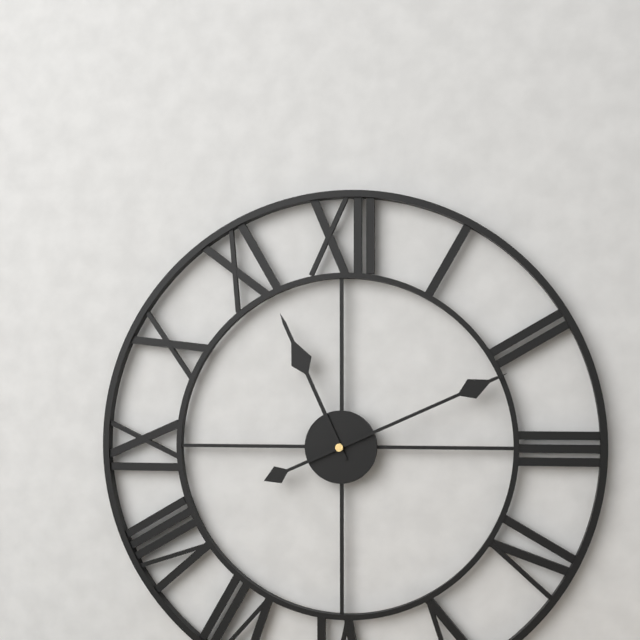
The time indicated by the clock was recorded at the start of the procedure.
11:11
